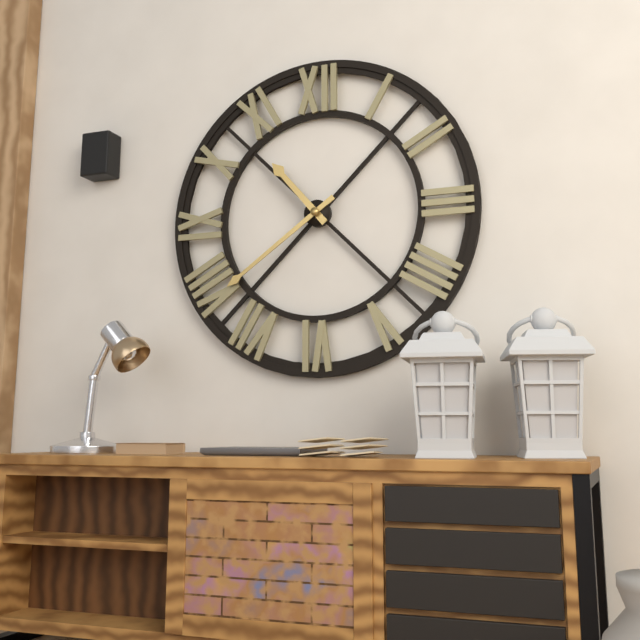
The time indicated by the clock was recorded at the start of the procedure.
10:39
